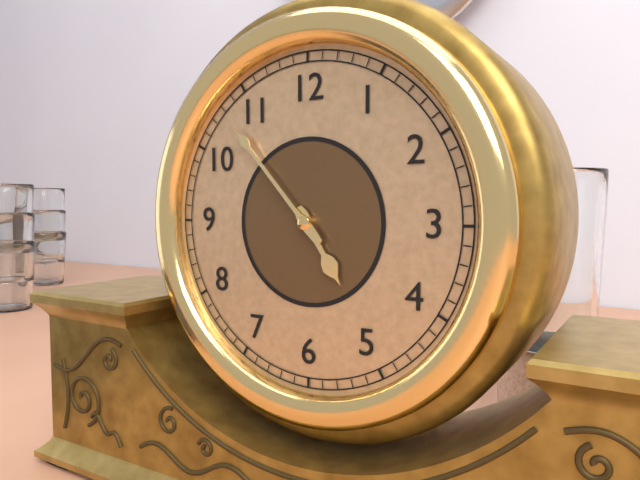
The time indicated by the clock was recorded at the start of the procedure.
4:53
